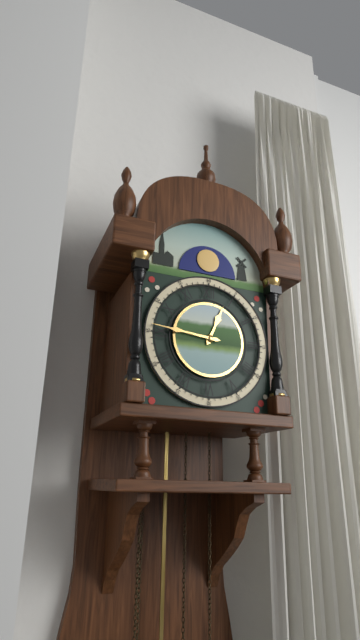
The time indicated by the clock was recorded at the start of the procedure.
12:46
